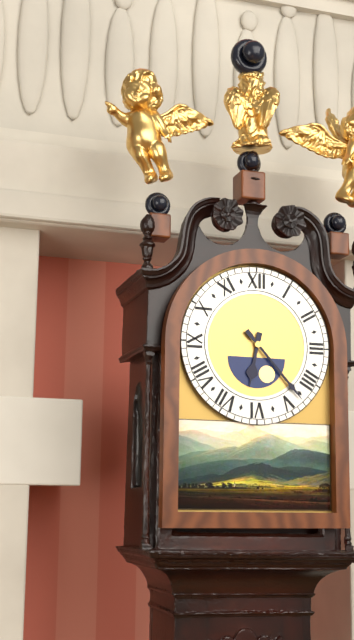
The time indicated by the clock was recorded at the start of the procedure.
6:23
